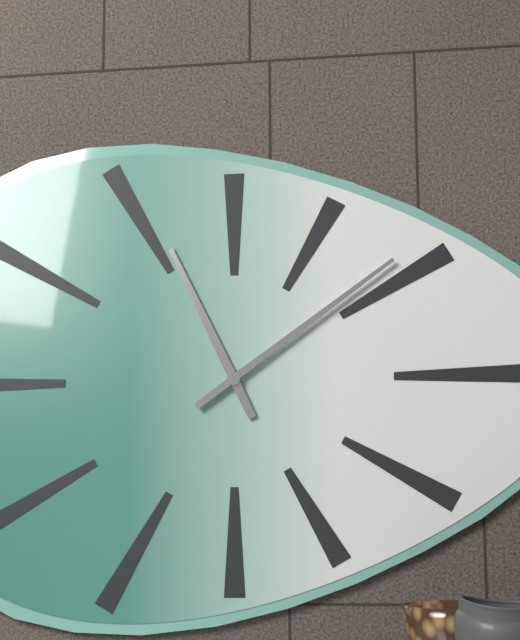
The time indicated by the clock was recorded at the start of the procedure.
11:09
